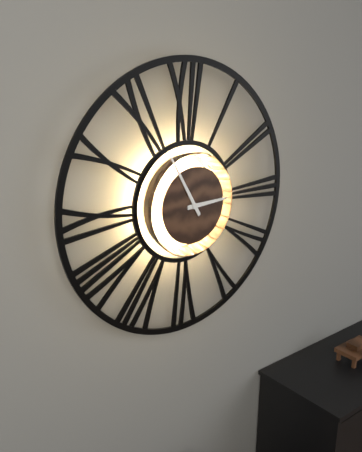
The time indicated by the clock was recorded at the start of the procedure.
2:55
